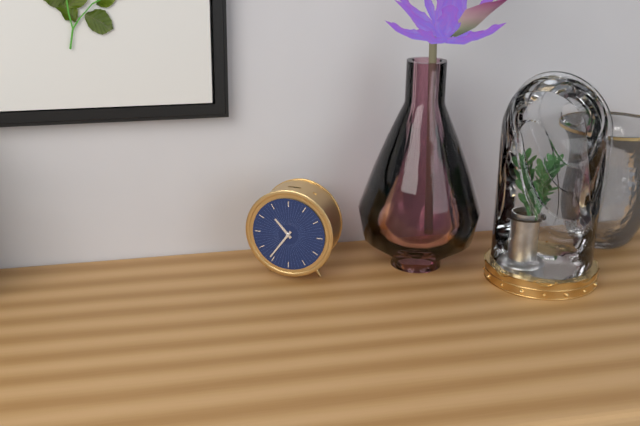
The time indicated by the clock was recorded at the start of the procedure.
10:36
